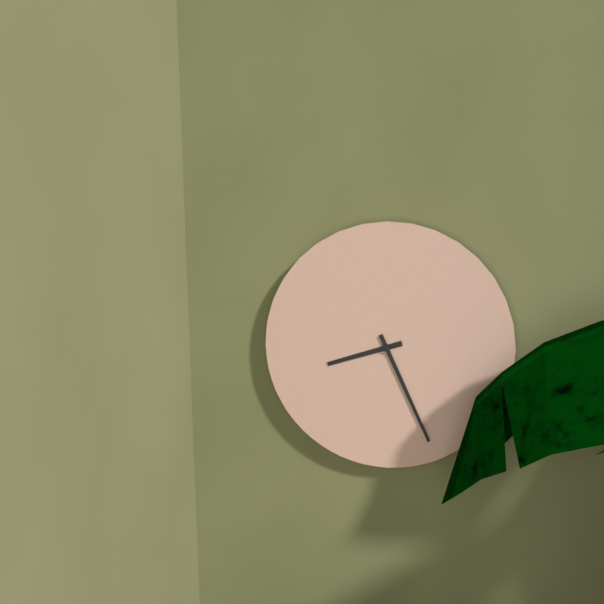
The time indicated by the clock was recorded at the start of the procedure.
8:26
